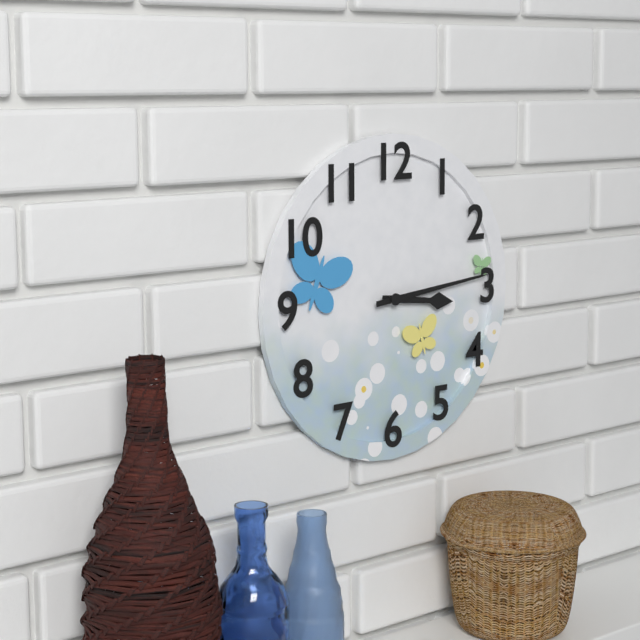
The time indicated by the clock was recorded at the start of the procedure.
3:14
